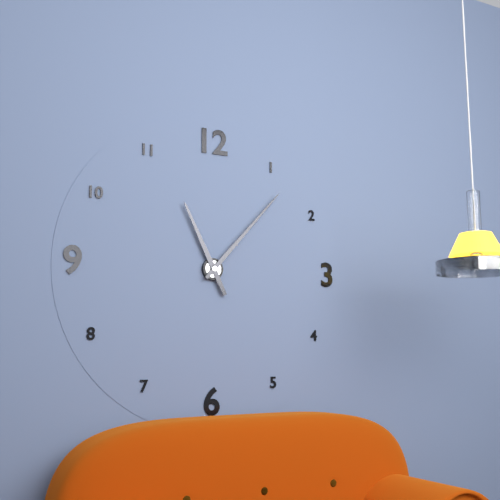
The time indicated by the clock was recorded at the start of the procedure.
11:07
